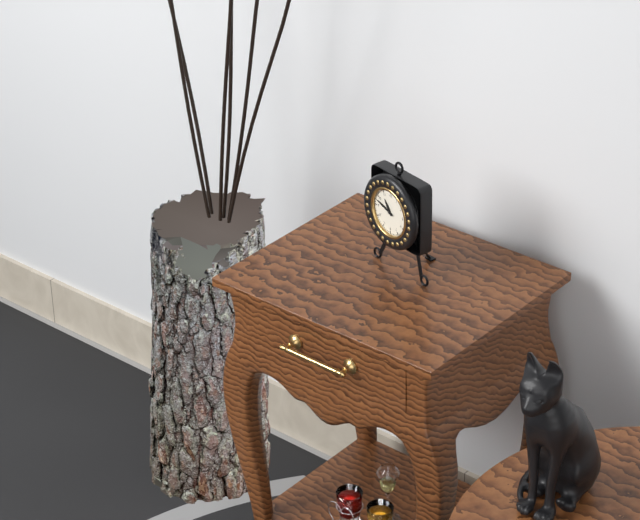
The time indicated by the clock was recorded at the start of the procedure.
10:48
